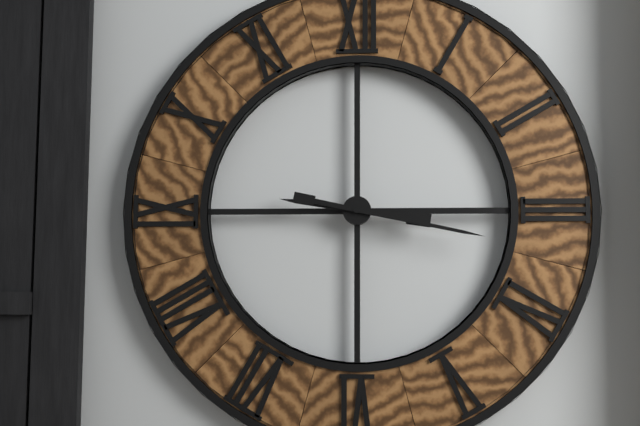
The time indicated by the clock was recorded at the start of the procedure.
9:17
